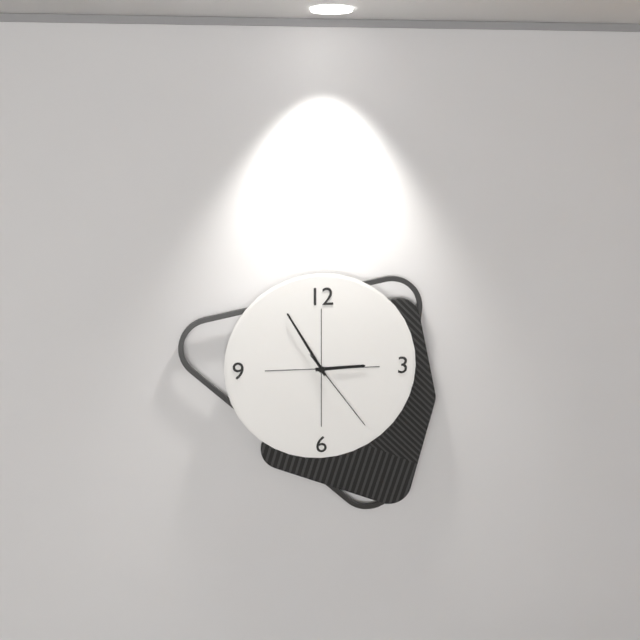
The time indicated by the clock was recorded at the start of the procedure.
2:55:24
